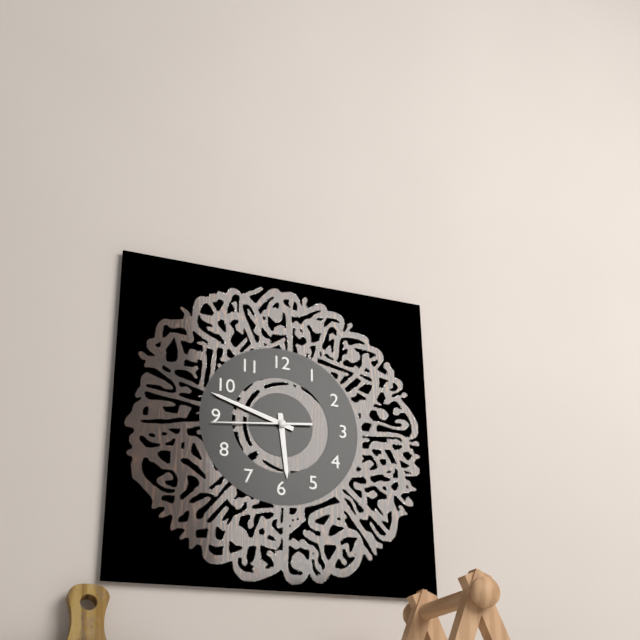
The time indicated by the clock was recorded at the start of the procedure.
5:48:44
